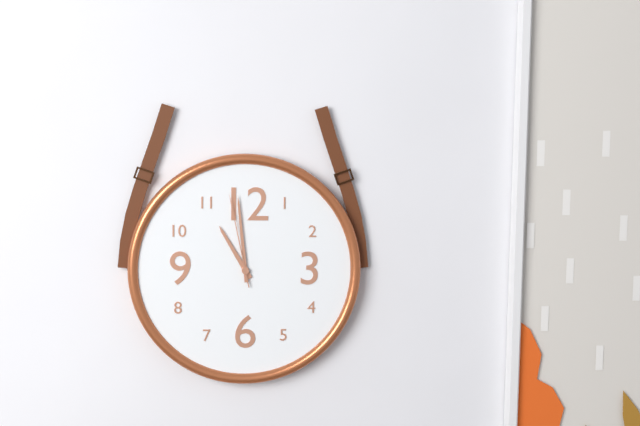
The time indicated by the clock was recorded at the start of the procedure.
10:59:58
